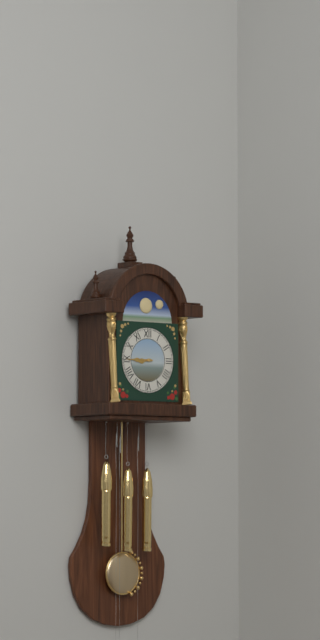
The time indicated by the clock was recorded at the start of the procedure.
8:45
